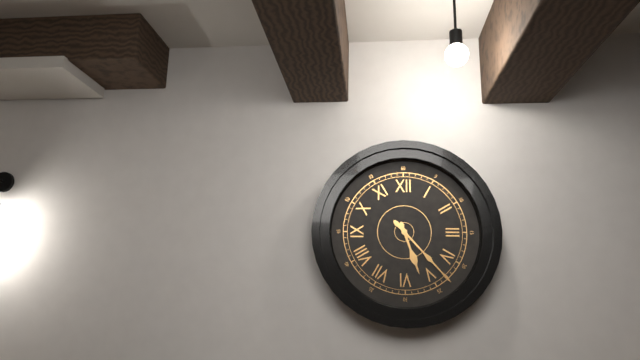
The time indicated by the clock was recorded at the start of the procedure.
5:23
